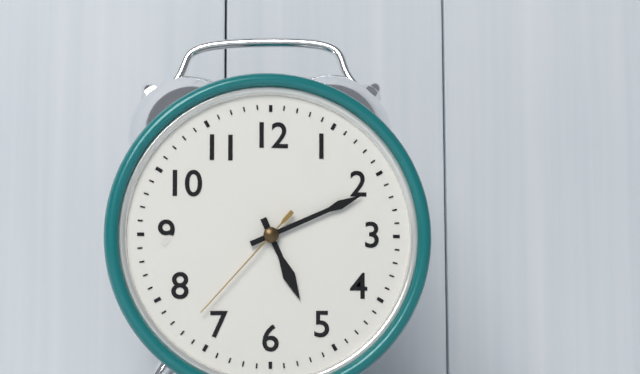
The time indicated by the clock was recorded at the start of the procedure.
5:11:37
